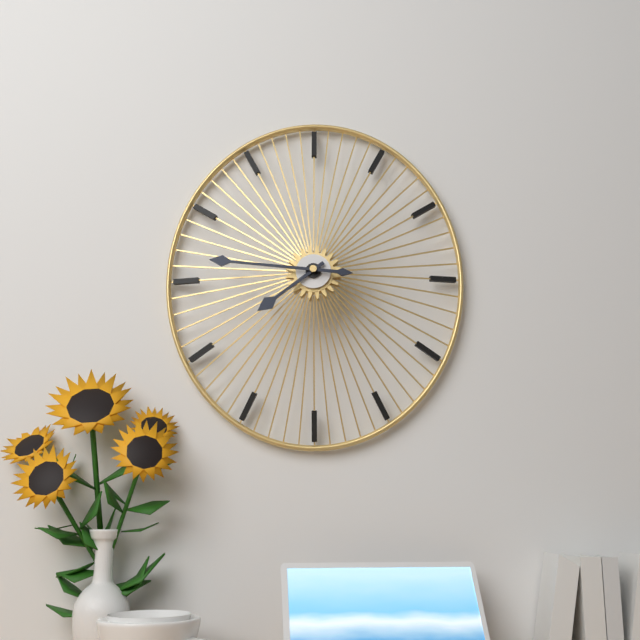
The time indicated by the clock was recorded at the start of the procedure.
7:46
